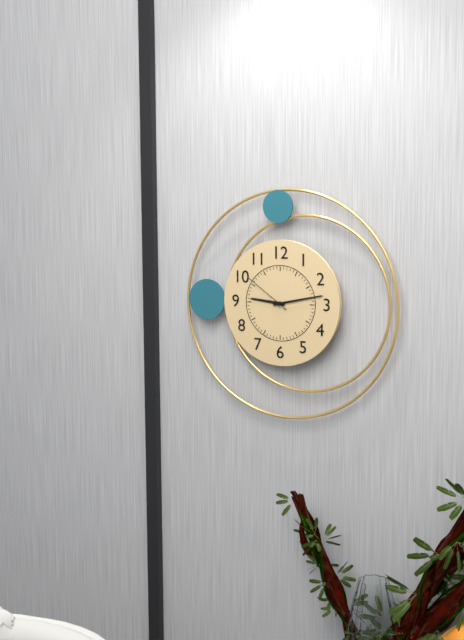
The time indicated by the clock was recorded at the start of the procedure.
9:13:51
